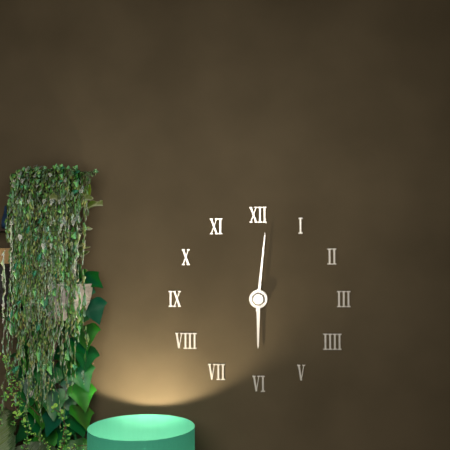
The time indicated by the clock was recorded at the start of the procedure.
6:01
